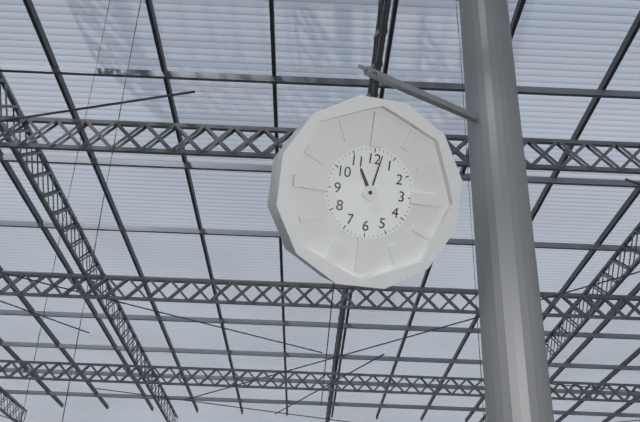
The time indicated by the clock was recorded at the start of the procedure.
11:02
